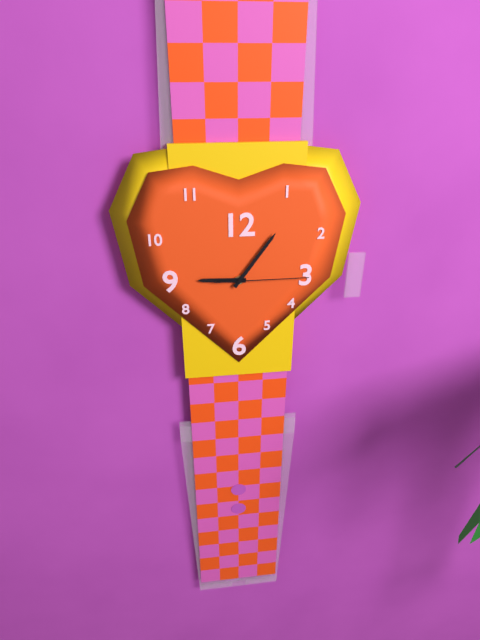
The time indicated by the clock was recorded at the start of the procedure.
9:06:15
